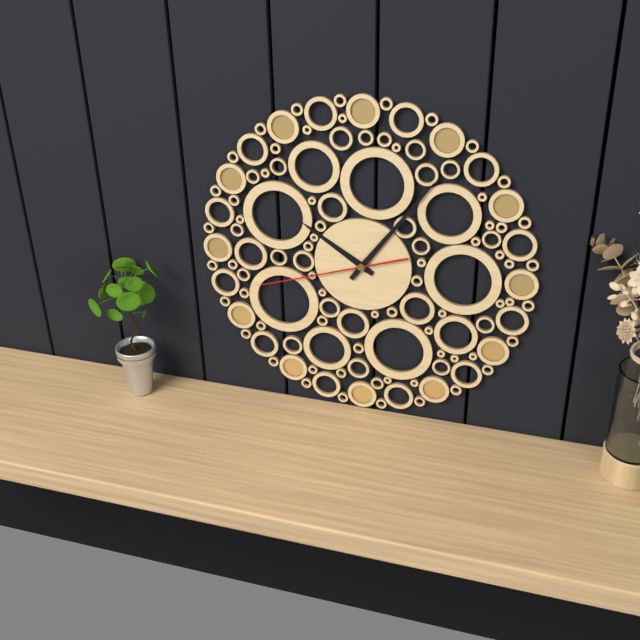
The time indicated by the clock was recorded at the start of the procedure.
10:06:42
